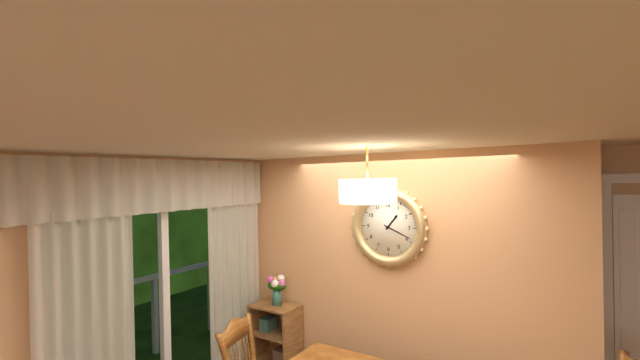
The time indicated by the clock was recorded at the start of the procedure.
1:19
